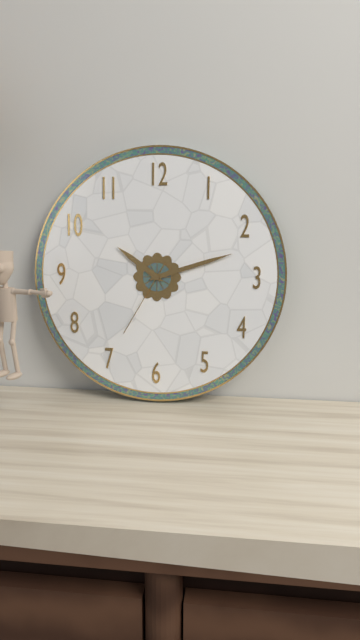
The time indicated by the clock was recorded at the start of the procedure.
10:12:35
